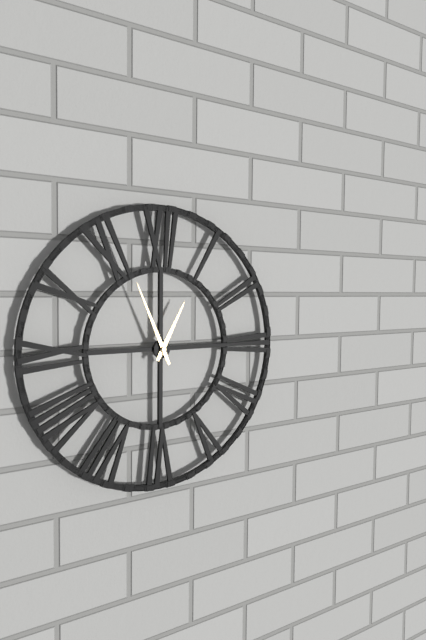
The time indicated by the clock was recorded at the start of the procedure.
12:56
